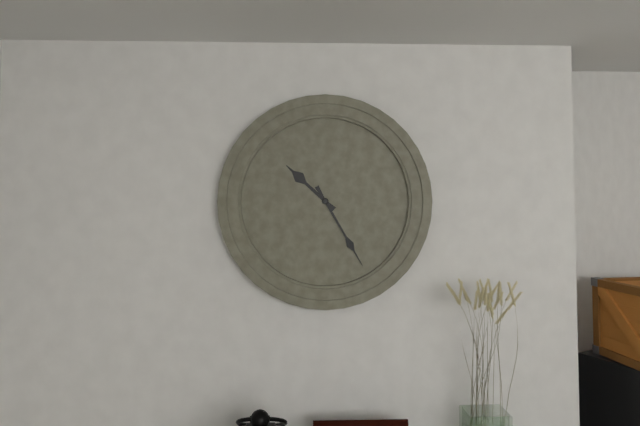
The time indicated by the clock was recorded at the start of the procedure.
10:25
